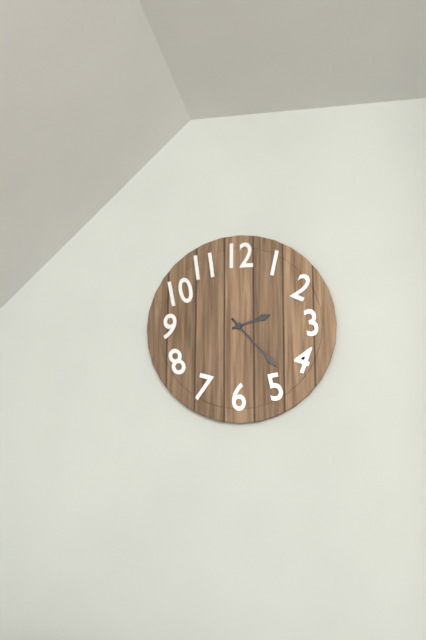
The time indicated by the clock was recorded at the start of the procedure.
2:23
